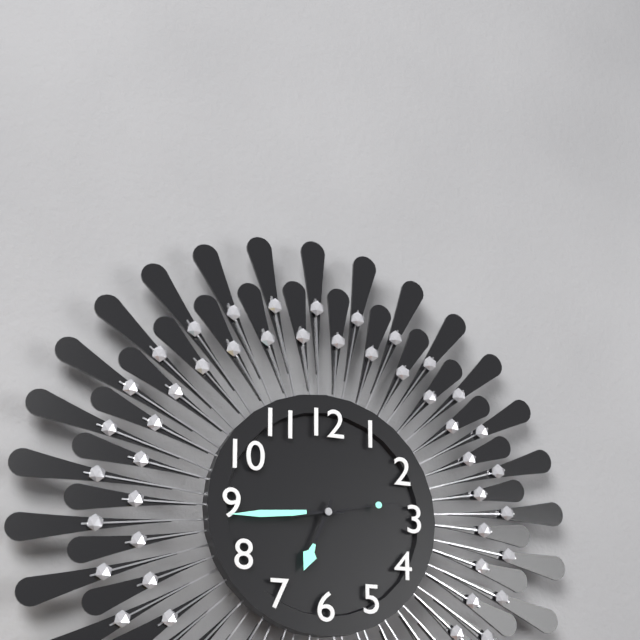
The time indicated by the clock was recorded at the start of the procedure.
6:44:13
